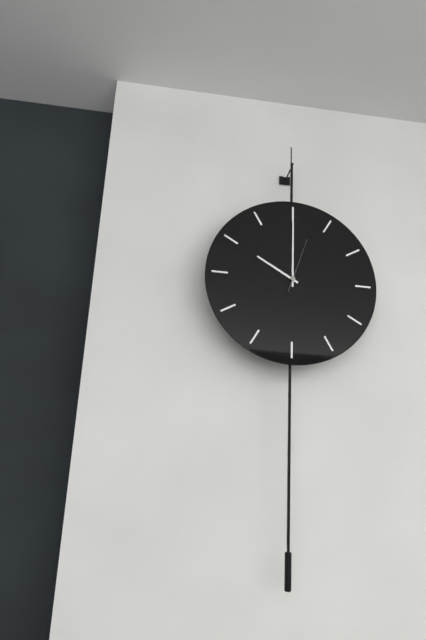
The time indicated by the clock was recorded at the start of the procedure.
10:00:03
